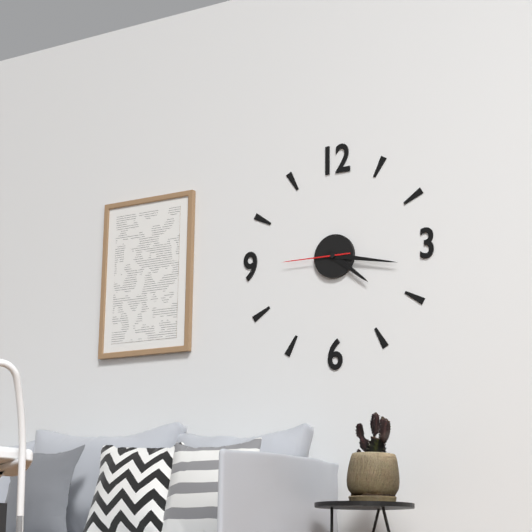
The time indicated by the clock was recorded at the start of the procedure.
4:17:45
